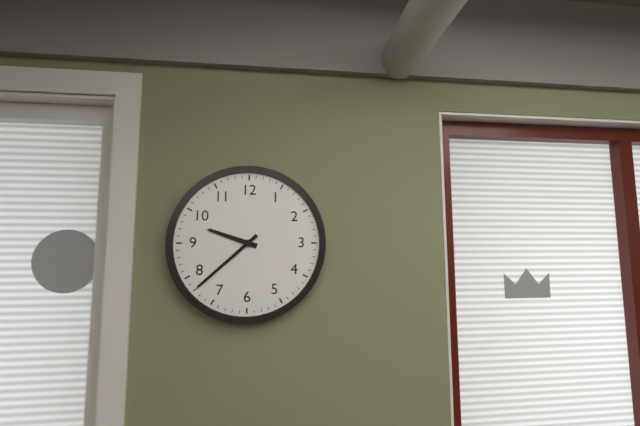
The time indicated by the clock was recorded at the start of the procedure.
9:38
